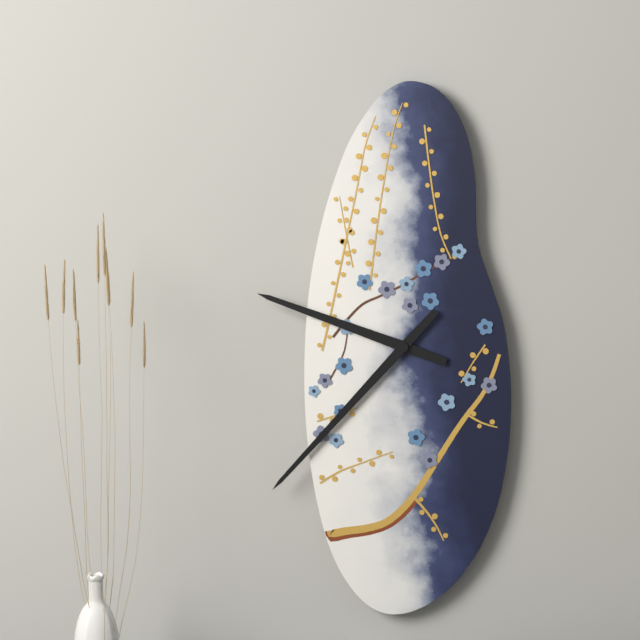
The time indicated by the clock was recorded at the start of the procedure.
9:37
